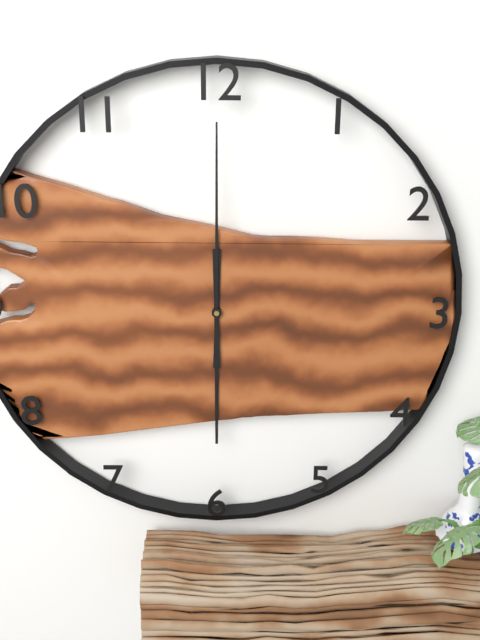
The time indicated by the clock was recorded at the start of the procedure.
6:00
